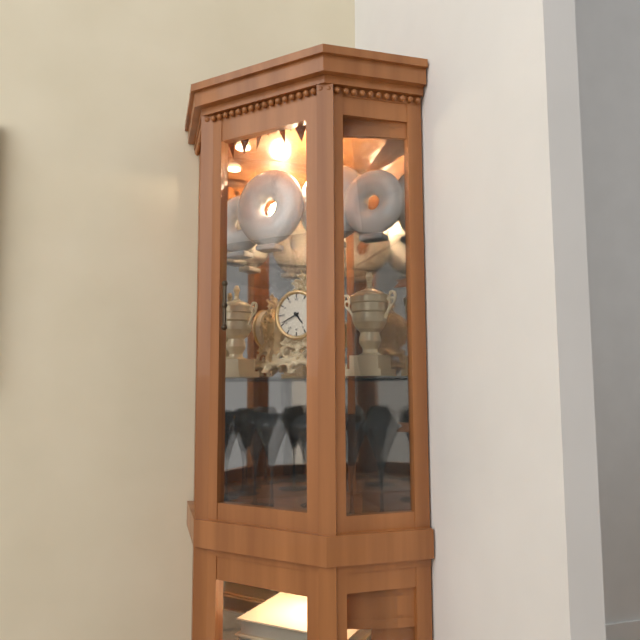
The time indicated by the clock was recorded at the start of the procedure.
4:41
